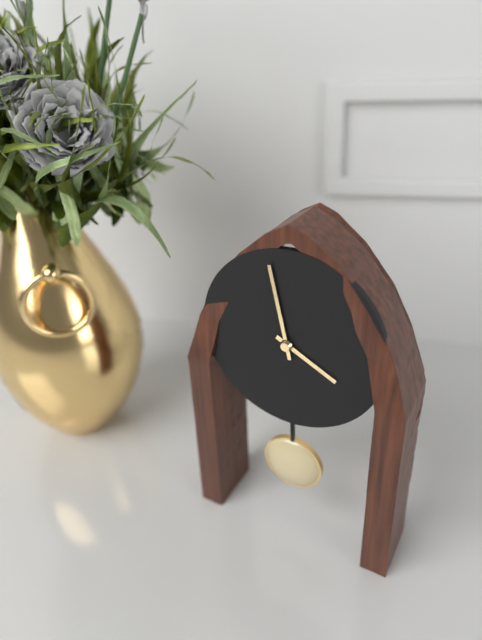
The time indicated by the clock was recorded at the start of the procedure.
3:58
